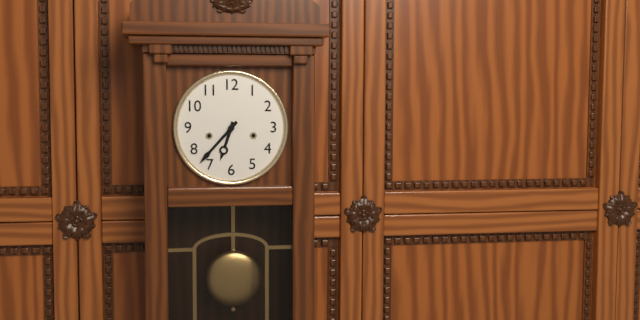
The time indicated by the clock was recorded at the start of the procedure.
6:37
